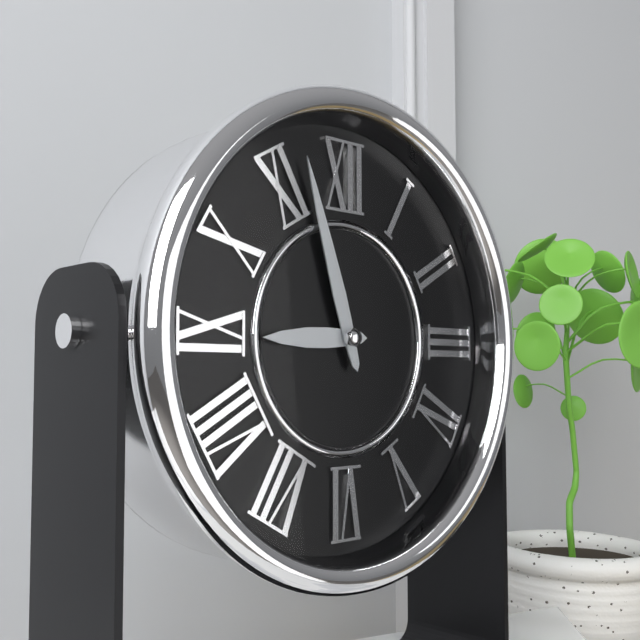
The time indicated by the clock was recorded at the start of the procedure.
8:57
